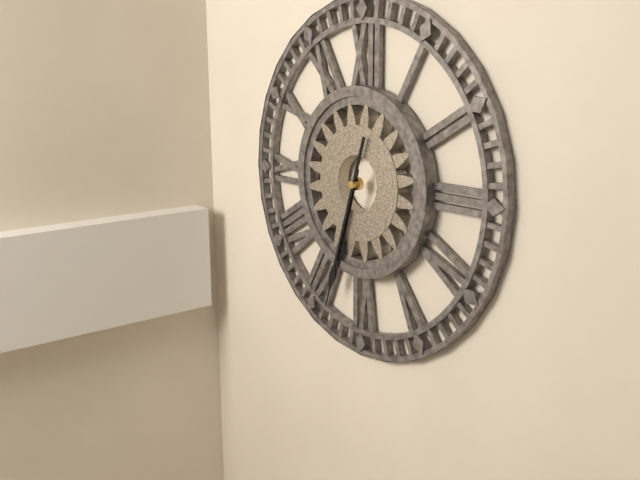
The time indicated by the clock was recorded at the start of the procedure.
6:33
